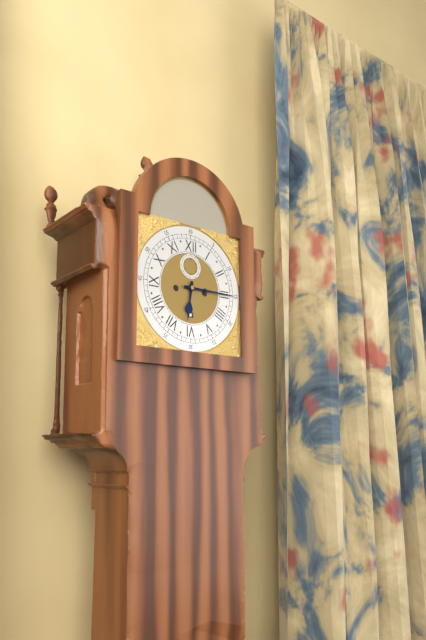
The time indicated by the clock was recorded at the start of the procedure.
6:15
